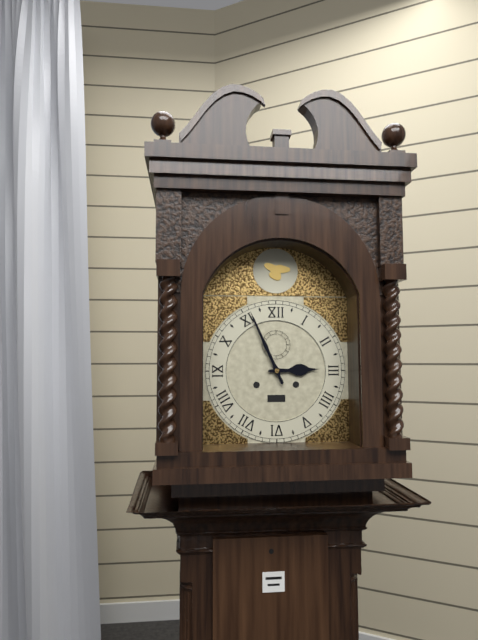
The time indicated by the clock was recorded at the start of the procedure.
2:56
